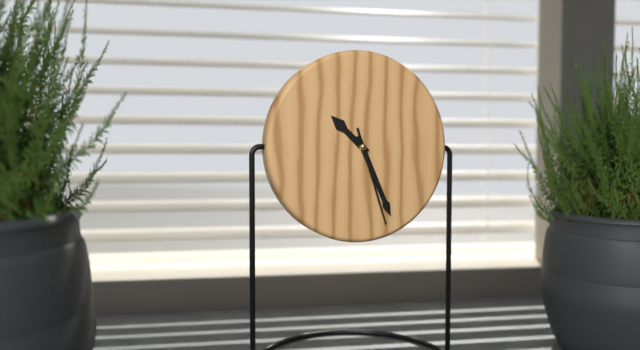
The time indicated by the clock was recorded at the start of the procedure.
10:26:27
